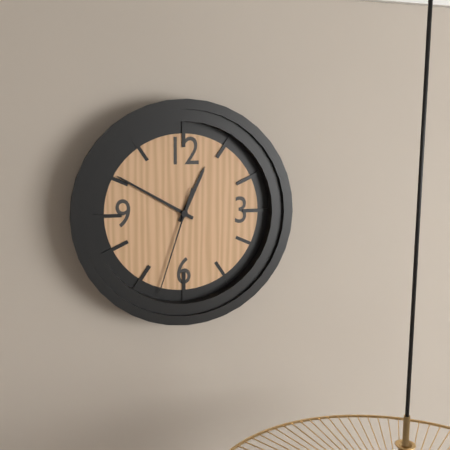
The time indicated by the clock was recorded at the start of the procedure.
12:50:33
